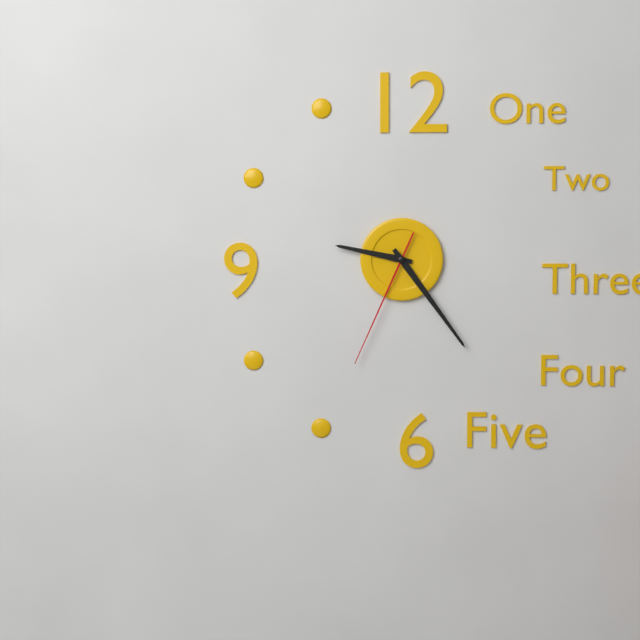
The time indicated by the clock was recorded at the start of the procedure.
9:24:34
